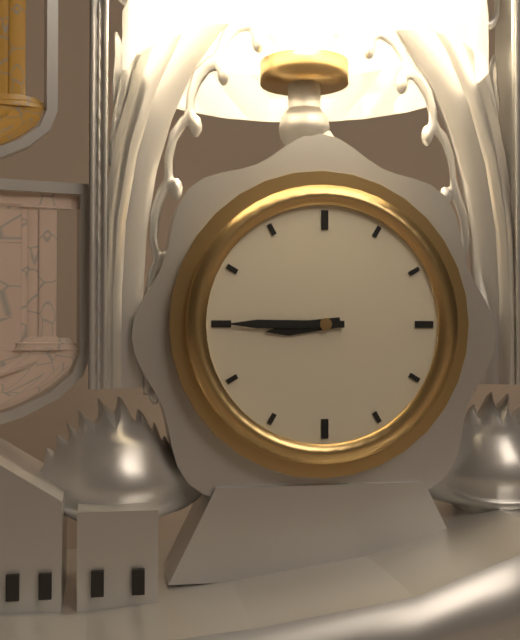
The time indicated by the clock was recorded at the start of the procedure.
8:45
